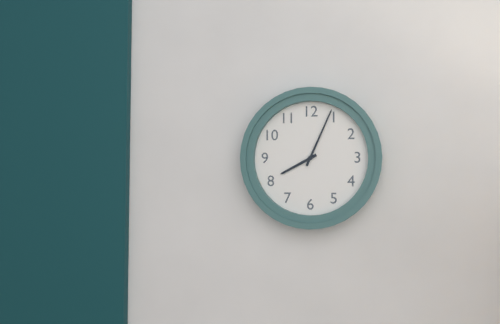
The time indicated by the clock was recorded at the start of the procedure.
8:04
